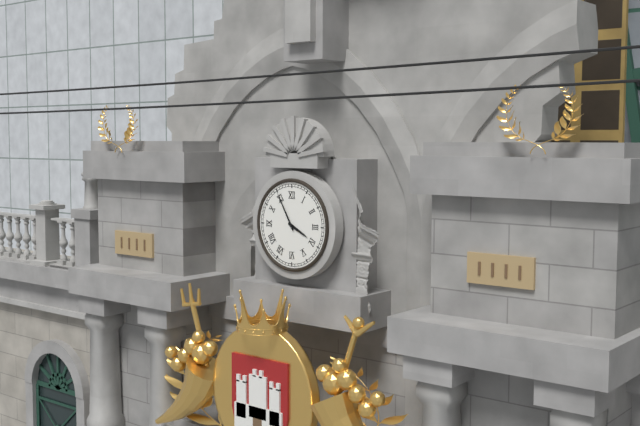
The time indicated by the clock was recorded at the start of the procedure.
3:55
